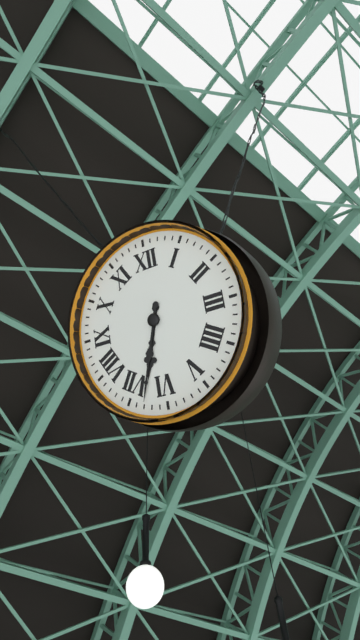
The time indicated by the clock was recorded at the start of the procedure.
6:33
